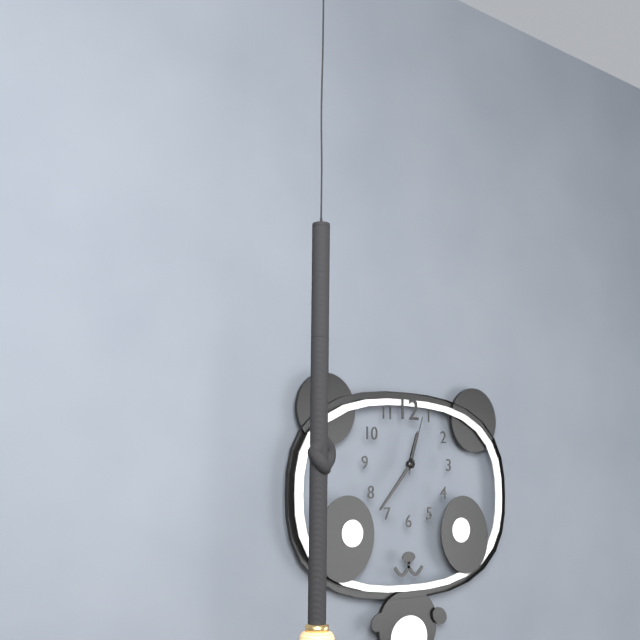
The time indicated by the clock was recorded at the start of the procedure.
12:37:03
